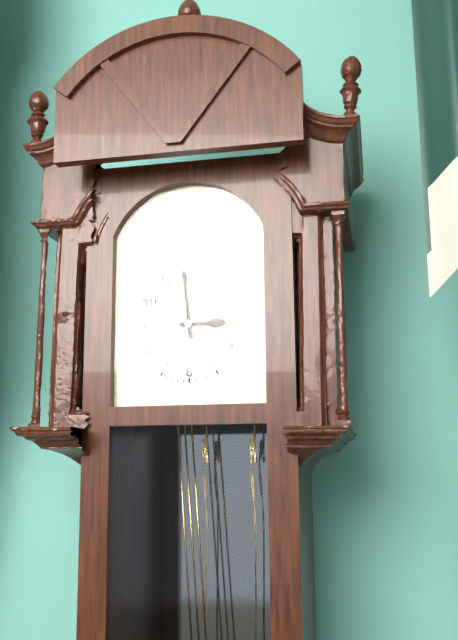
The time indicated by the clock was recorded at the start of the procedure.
2:59
